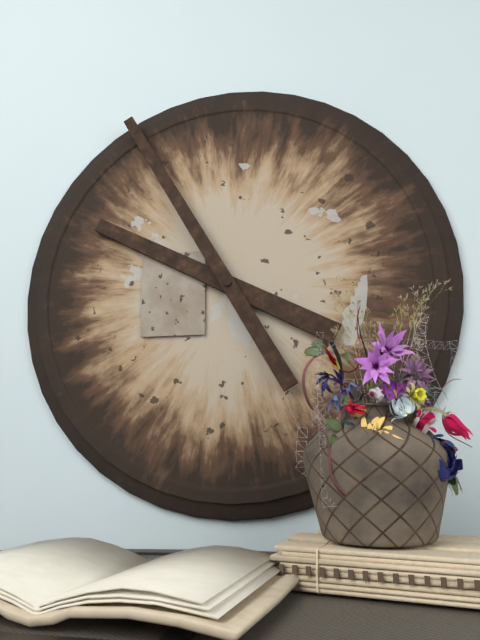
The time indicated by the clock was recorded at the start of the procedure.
9:55
